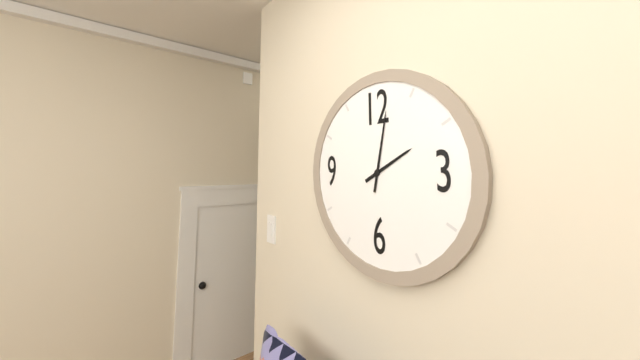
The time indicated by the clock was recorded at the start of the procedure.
2:02
